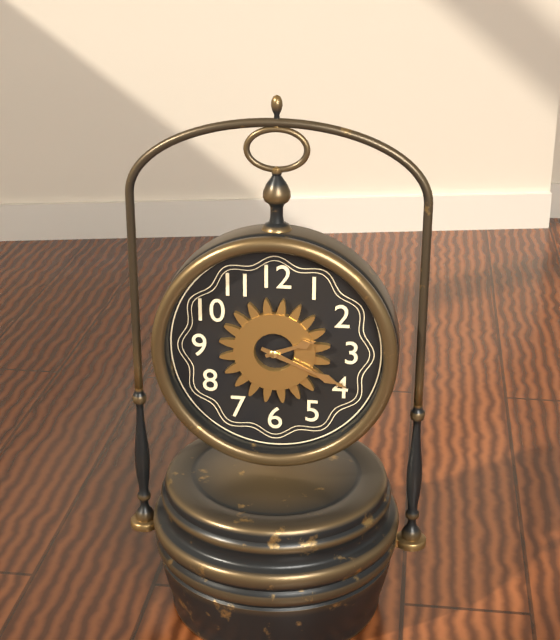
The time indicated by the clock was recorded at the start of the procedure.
2:19
